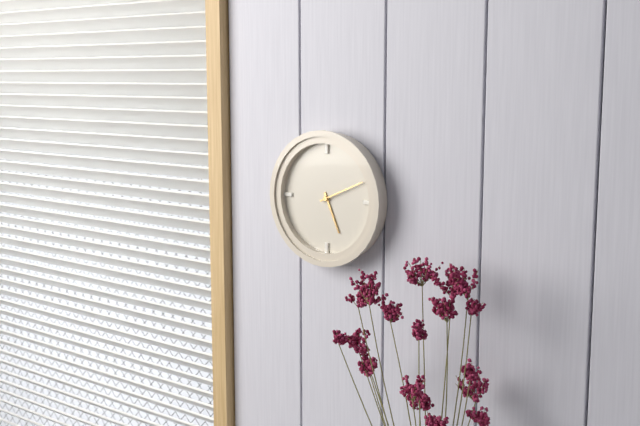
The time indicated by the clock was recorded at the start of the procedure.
5:11
